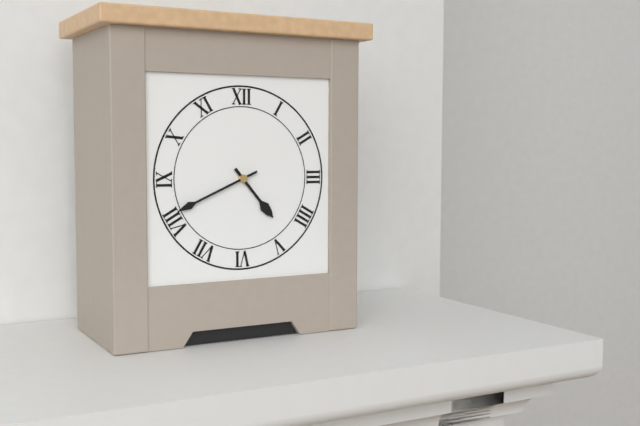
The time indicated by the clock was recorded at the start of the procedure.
4:41
